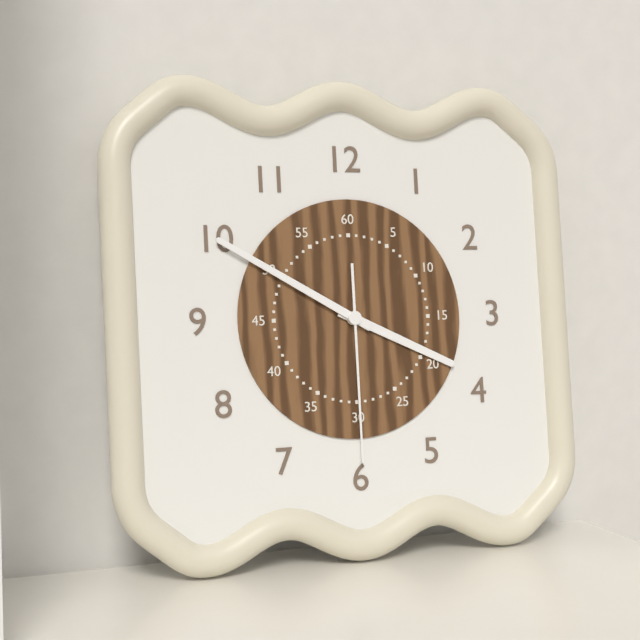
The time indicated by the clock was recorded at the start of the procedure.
3:50:30
